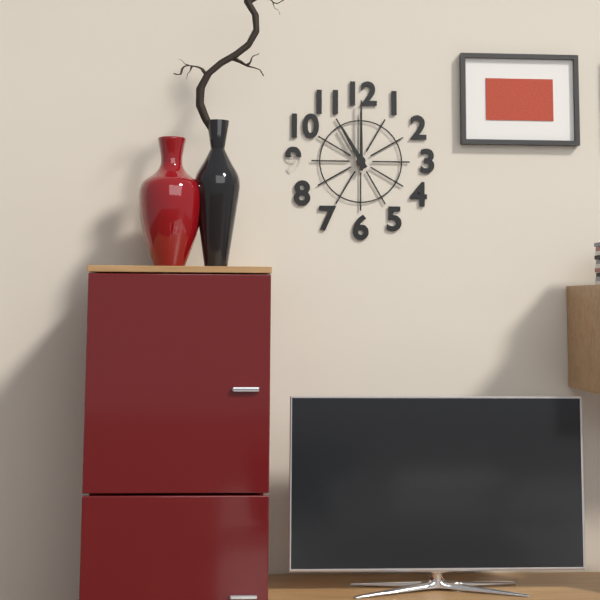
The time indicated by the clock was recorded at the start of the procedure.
11:00
